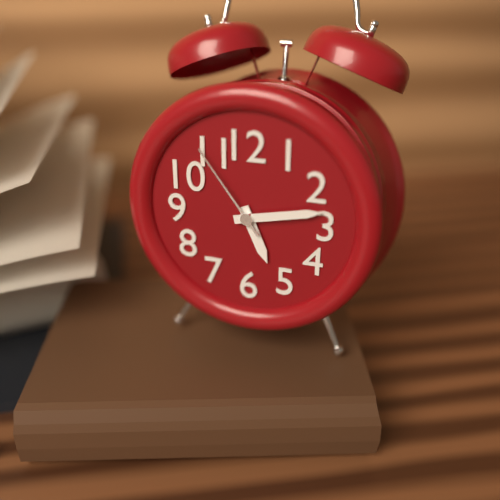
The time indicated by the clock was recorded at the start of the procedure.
5:13:54
